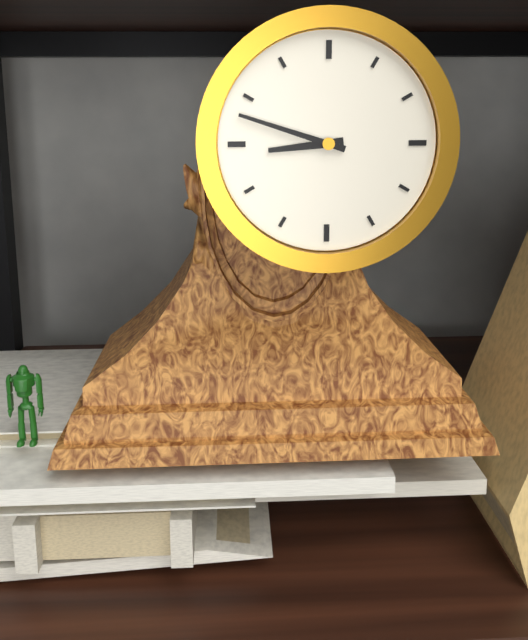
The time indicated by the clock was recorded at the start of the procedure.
8:48
